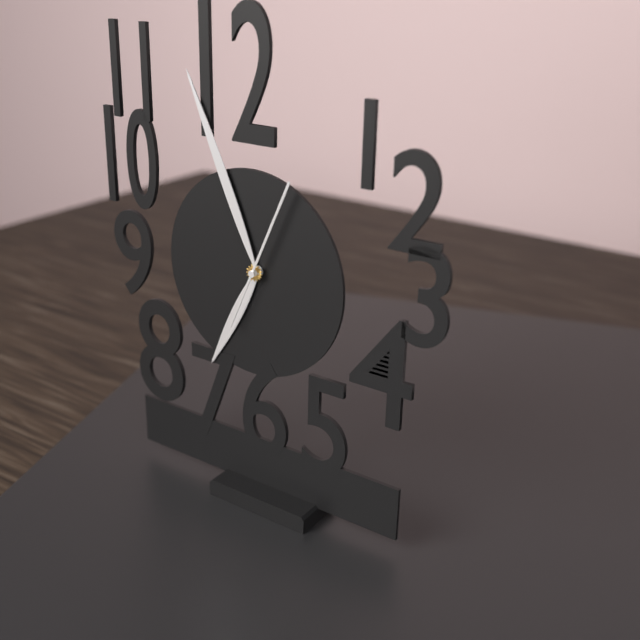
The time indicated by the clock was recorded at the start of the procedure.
6:56:04
